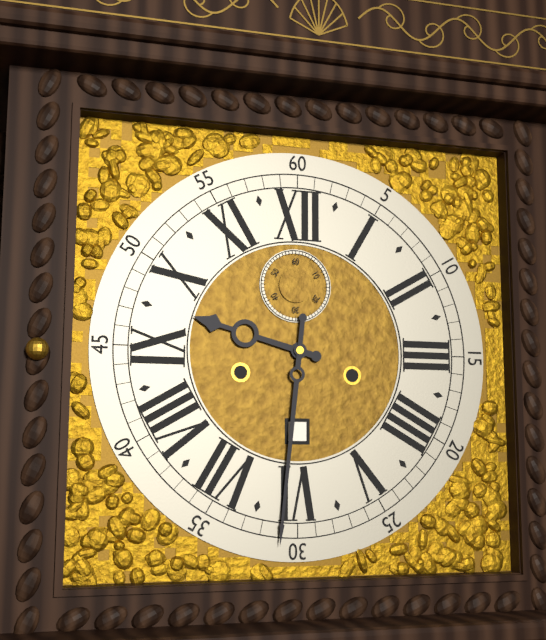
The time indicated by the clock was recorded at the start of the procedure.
9:31
